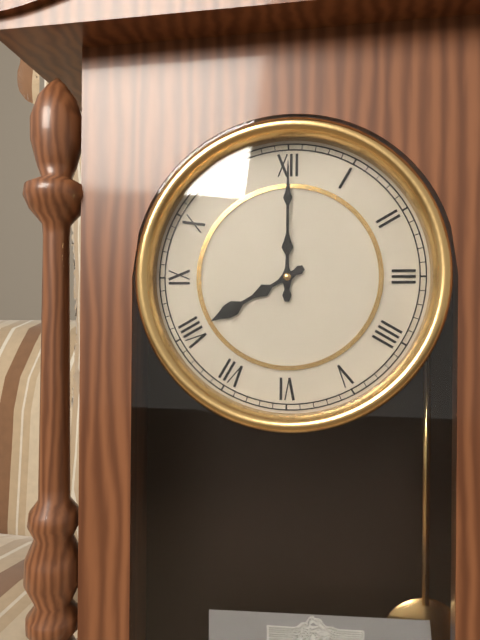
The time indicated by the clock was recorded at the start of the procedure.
8:00
